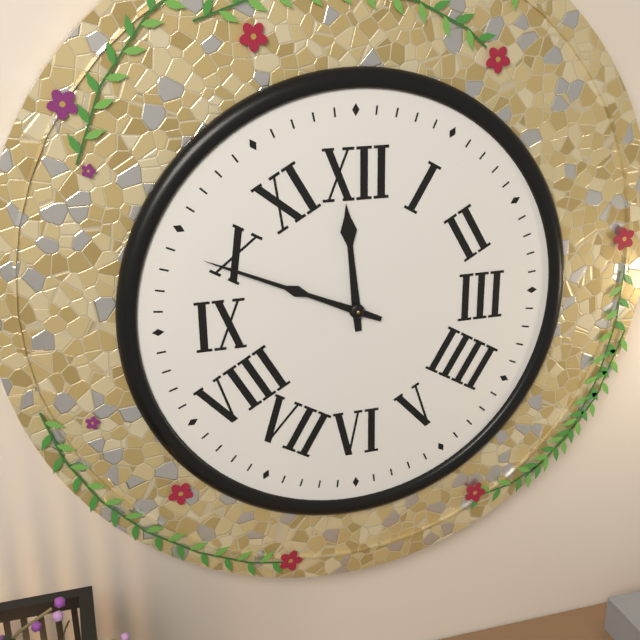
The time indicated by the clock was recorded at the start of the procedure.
11:49
